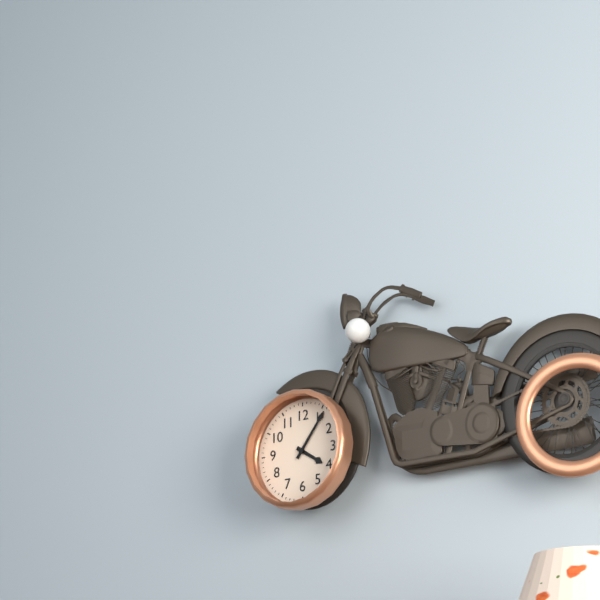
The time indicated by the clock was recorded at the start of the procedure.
4:06
